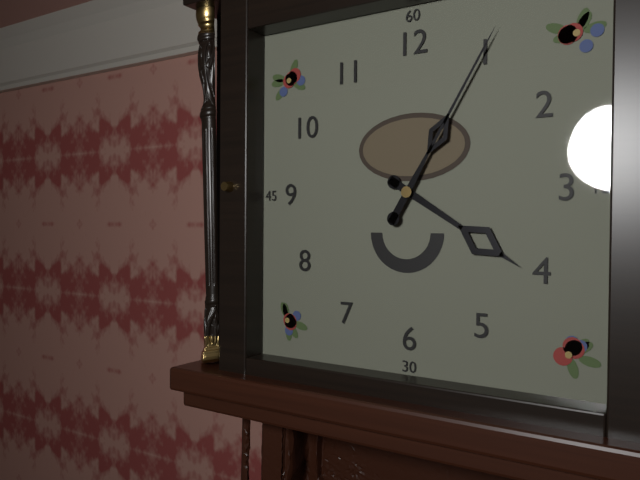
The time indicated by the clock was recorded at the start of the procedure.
4:05
